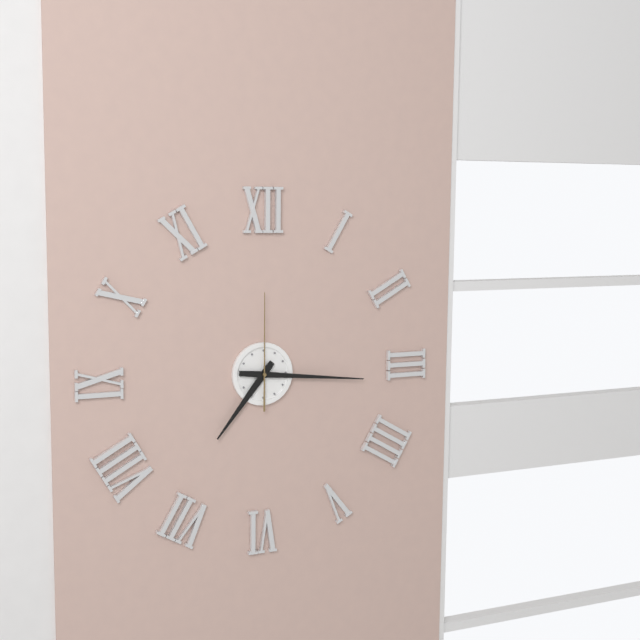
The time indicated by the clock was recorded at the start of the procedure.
7:16:00
